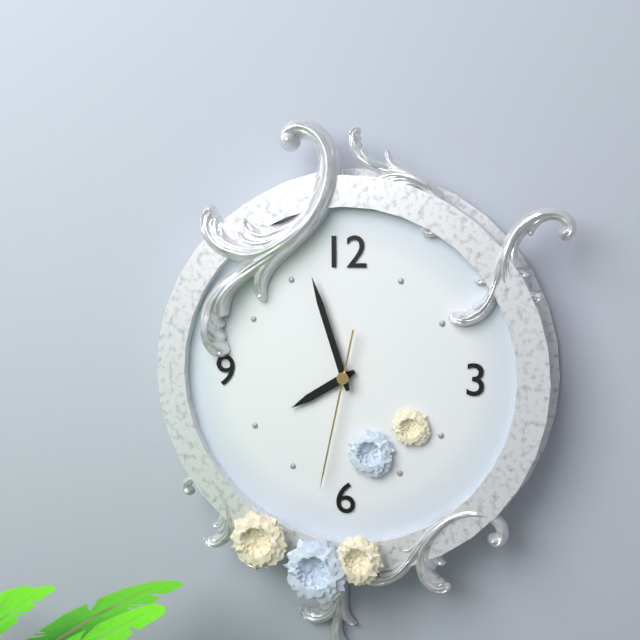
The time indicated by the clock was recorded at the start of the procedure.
7:57:32
